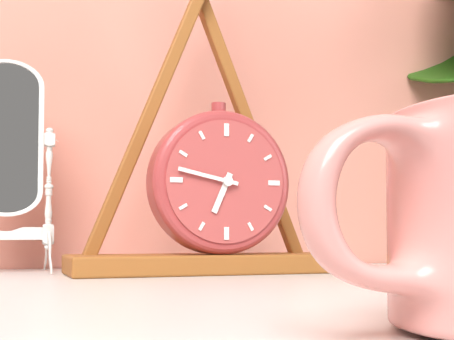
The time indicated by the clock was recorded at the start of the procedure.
6:47
